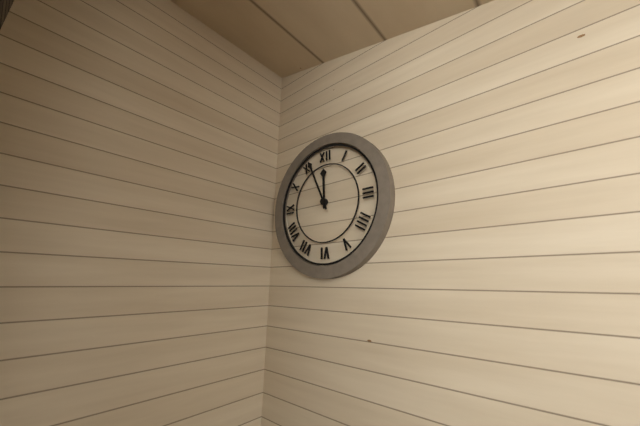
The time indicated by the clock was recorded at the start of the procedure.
11:56
